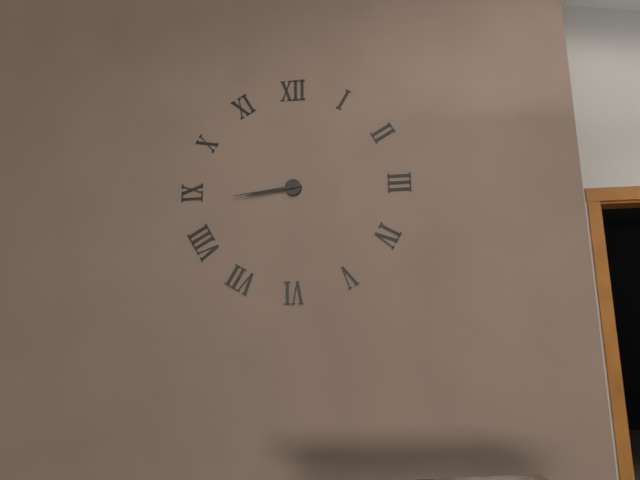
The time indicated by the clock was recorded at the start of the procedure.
8:44
